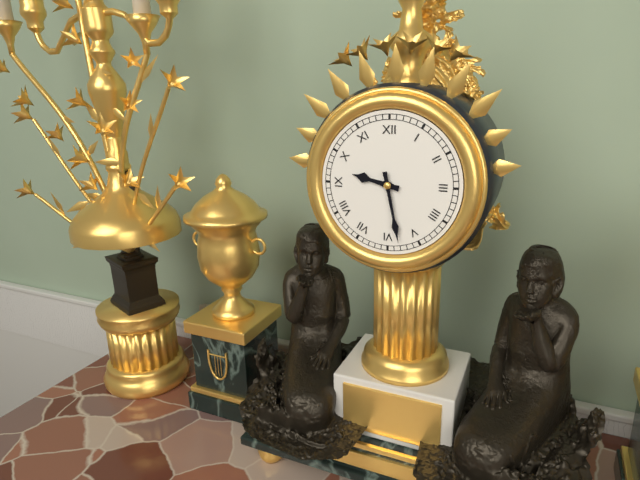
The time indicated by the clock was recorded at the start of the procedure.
9:28
